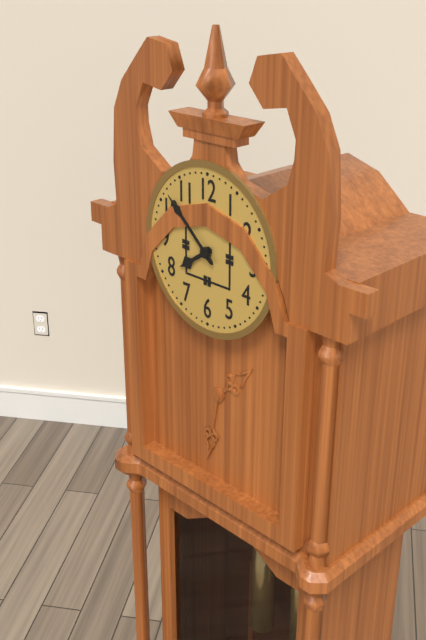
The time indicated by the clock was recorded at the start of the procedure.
7:52
